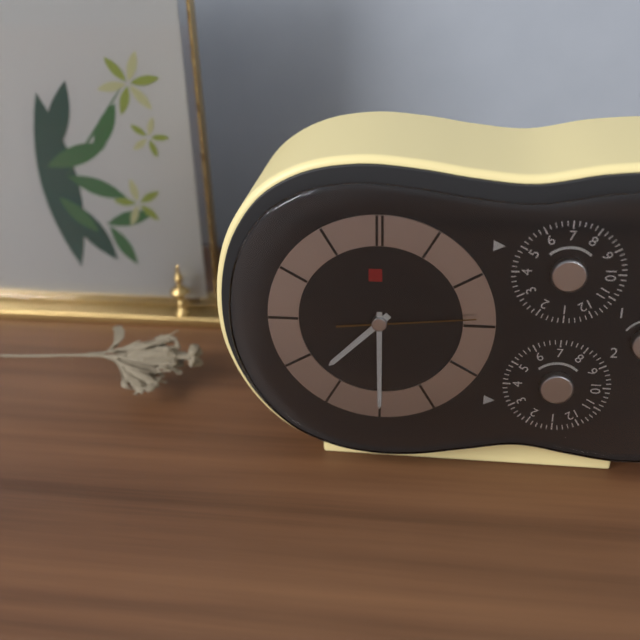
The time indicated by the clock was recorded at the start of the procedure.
7:30:14
